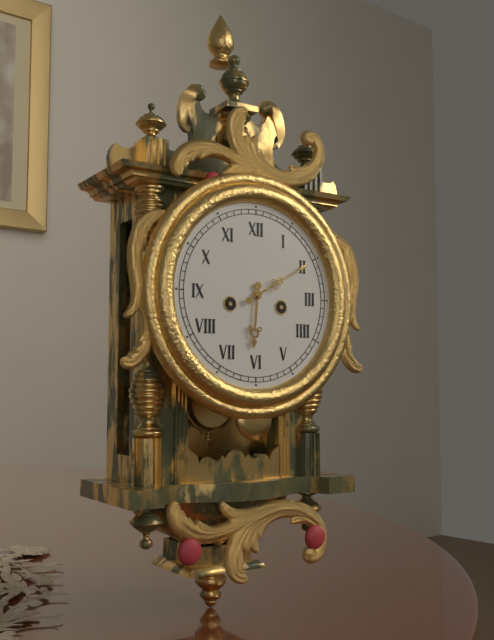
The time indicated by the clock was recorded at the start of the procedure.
6:10
